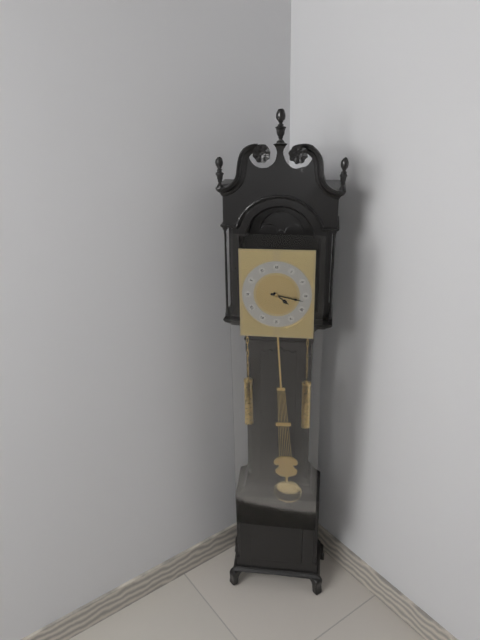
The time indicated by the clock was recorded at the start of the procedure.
4:17
